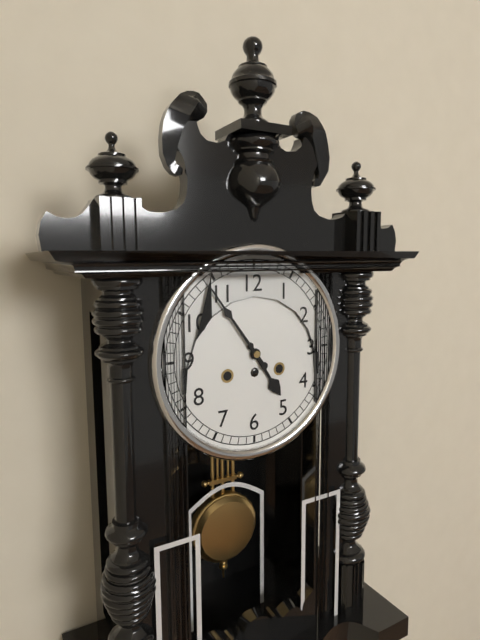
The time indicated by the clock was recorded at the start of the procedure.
4:54
